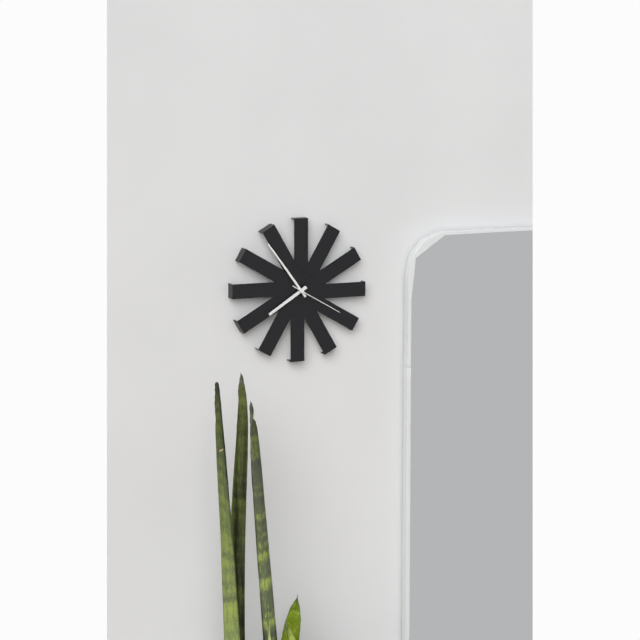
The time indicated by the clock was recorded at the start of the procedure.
7:54:20
